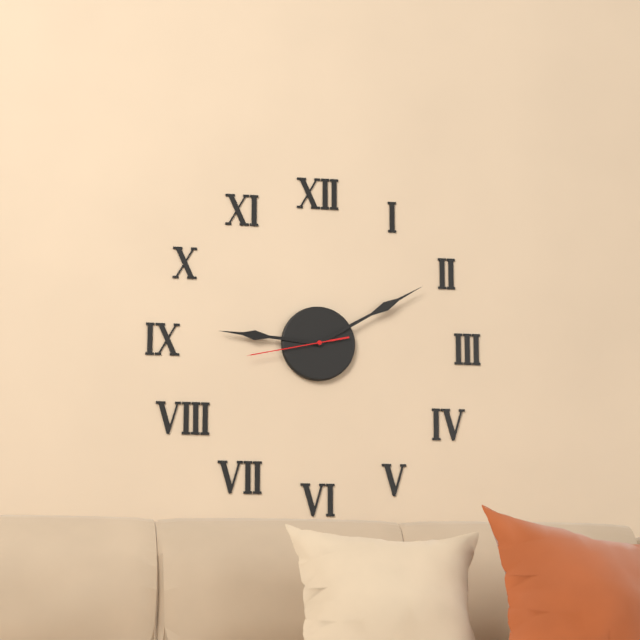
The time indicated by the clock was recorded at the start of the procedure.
9:10:43
